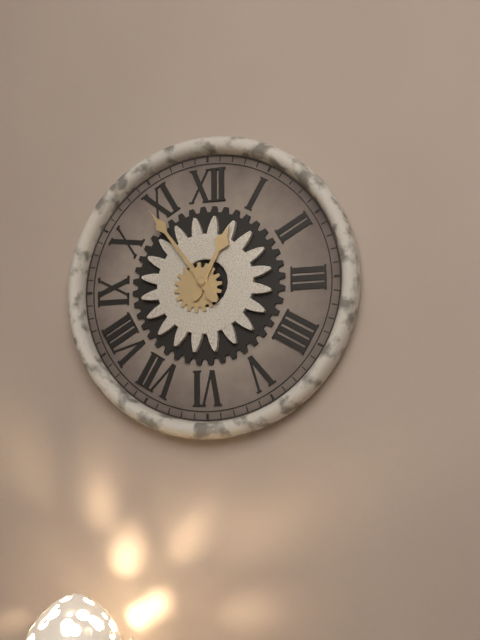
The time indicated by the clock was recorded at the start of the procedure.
12:54
